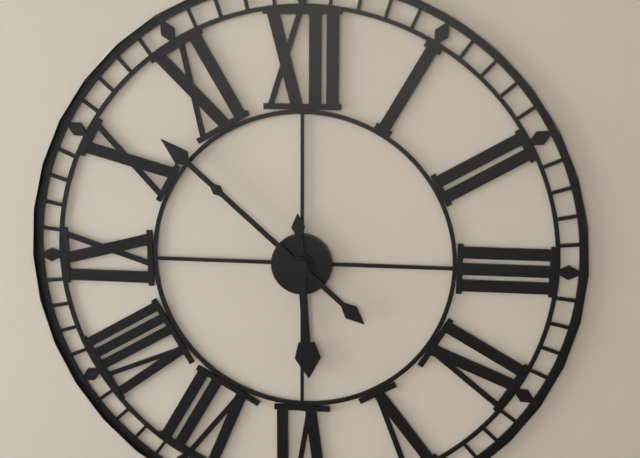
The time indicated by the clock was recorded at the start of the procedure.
5:52
